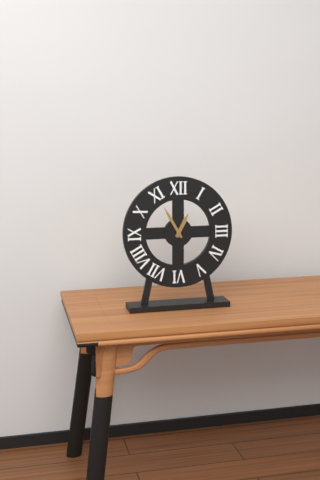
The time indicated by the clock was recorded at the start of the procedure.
12:55
